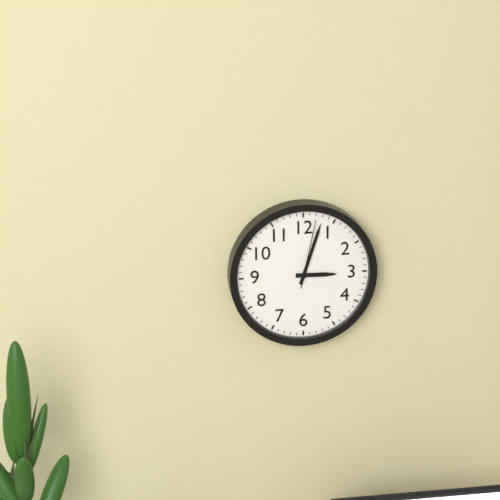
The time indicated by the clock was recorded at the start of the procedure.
3:03:02
